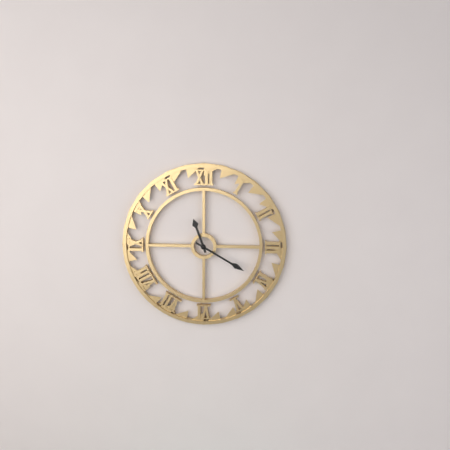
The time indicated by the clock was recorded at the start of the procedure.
11:20
